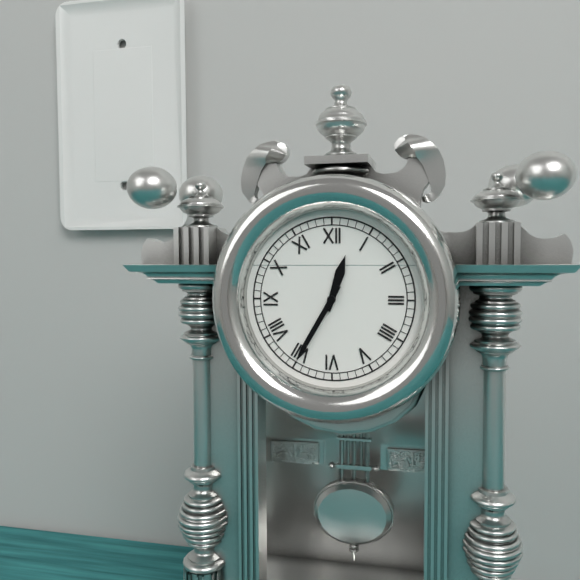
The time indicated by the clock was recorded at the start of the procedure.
12:35
